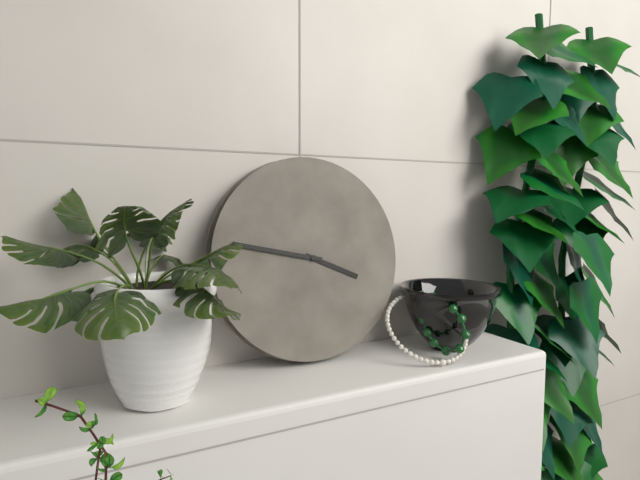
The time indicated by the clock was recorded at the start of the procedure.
3:47
